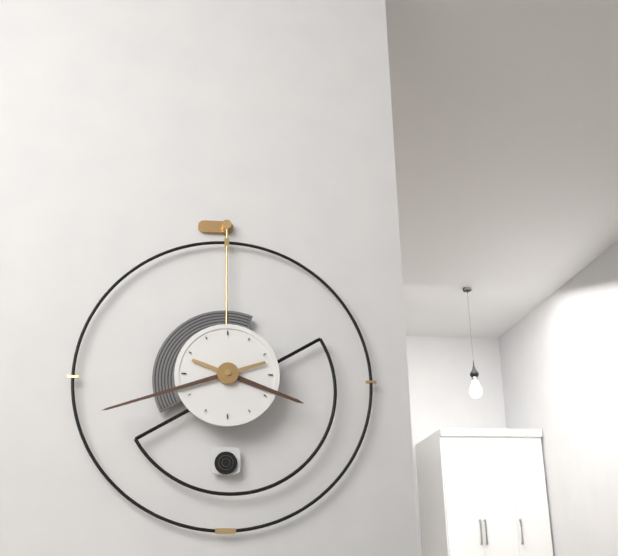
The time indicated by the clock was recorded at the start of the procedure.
3:42
